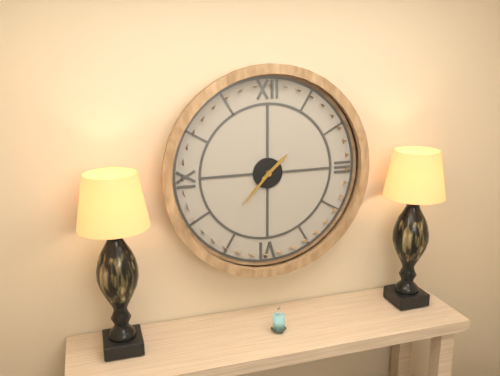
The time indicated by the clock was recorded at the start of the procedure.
1:37
